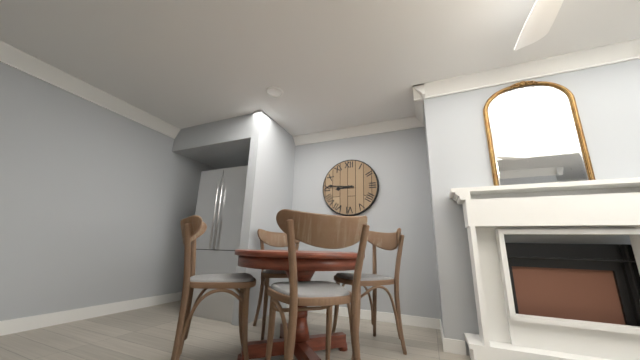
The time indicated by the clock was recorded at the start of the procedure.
8:46
